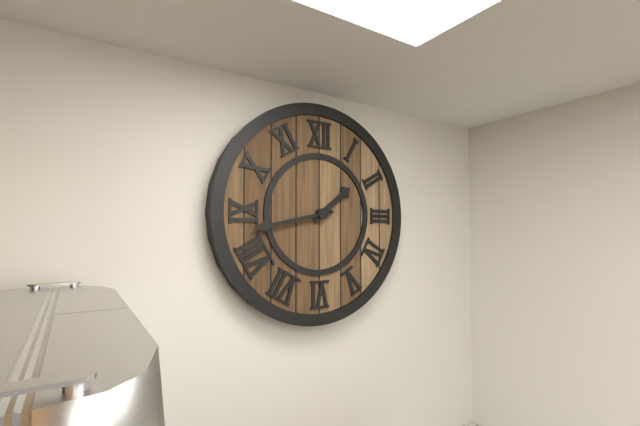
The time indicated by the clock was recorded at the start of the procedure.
1:43
